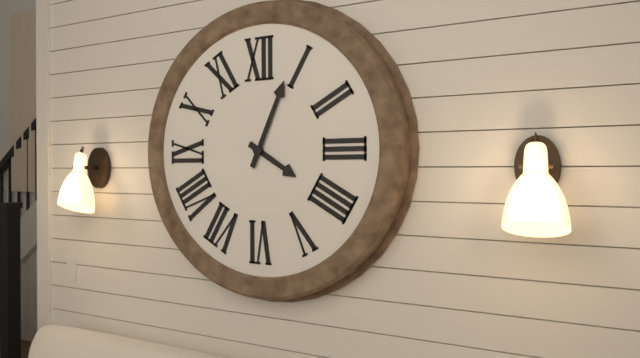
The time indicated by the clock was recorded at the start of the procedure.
4:04
